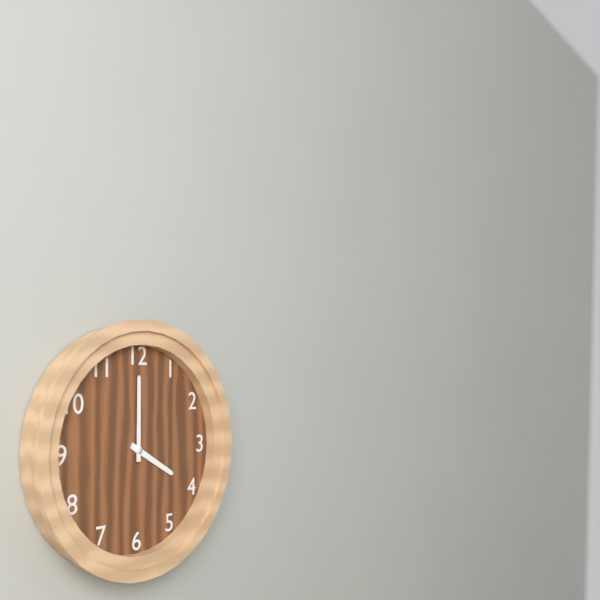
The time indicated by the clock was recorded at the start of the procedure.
4:00
